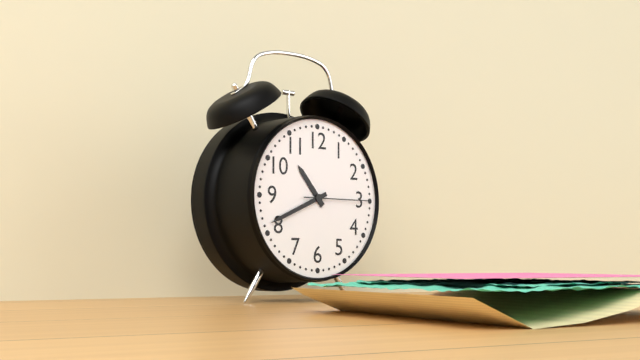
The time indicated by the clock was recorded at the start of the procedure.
10:41:15
